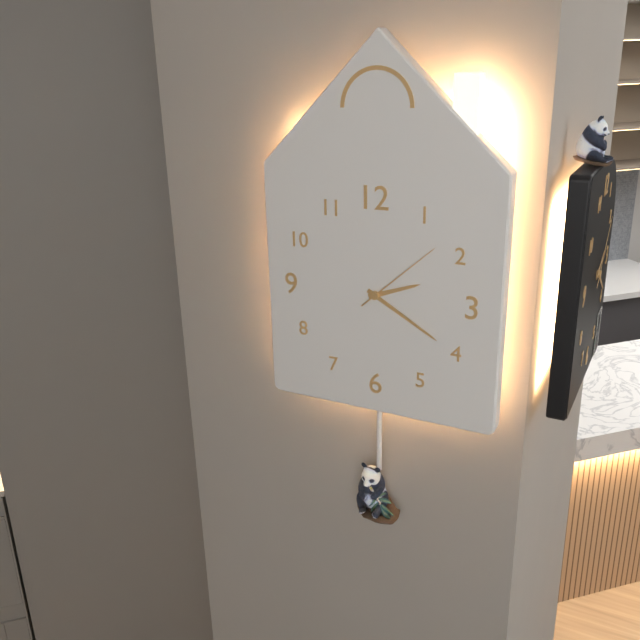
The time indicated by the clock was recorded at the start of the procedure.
2:20:08
